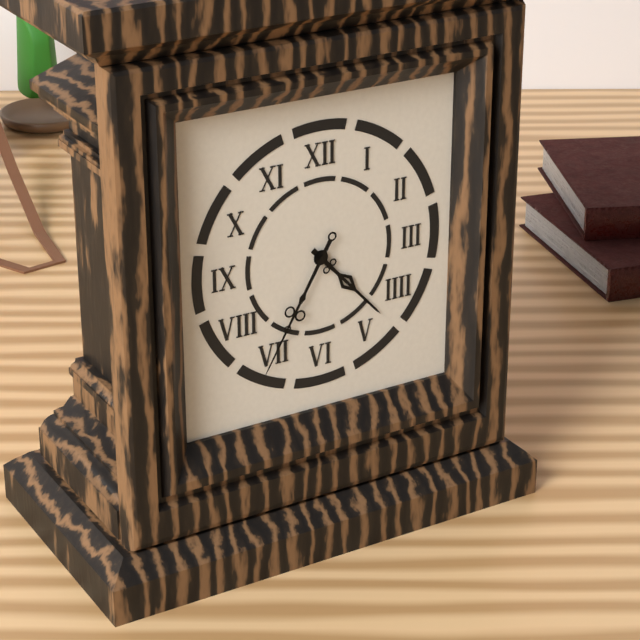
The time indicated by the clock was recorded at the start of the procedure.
4:35
